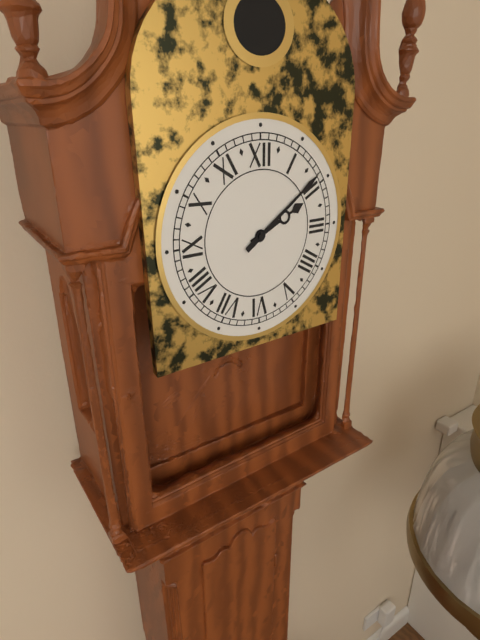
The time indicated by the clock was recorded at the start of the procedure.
2:09
